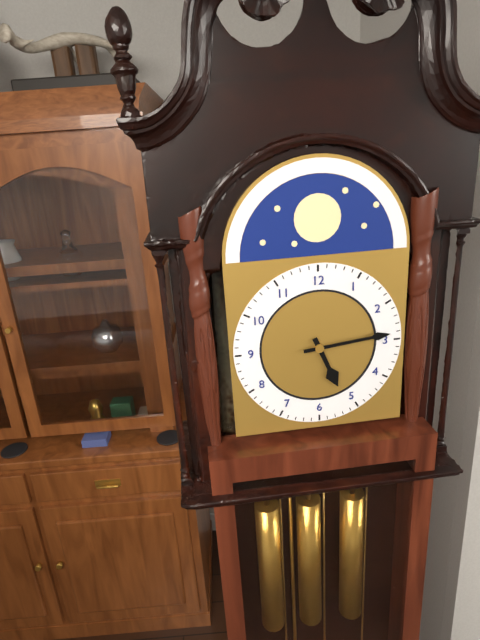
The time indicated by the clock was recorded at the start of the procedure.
5:14
